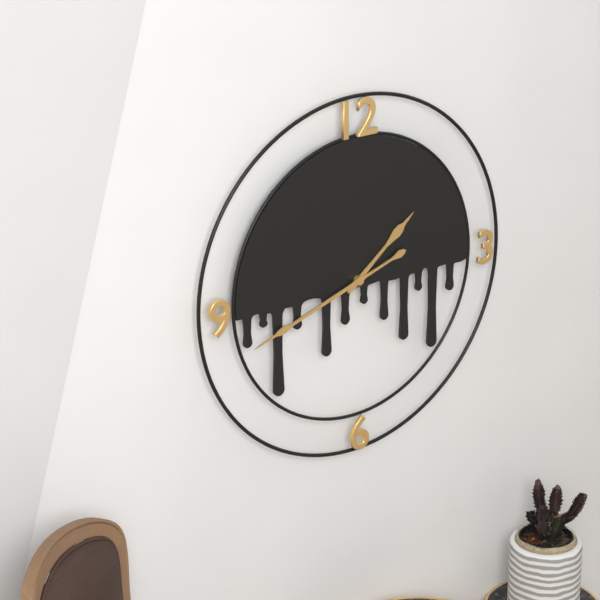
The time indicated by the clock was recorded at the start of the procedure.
1:42
